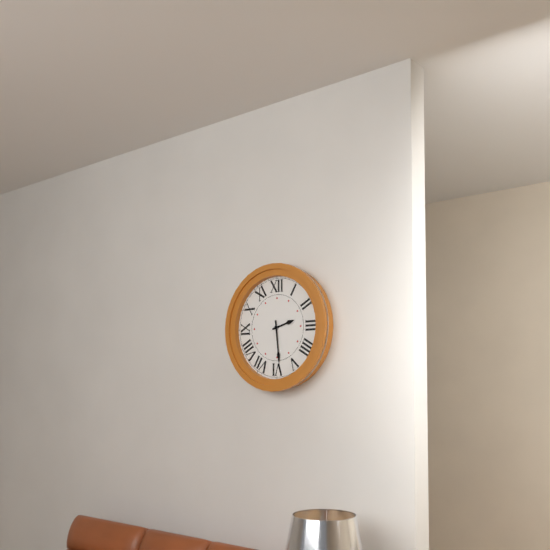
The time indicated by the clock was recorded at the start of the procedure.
2:29
